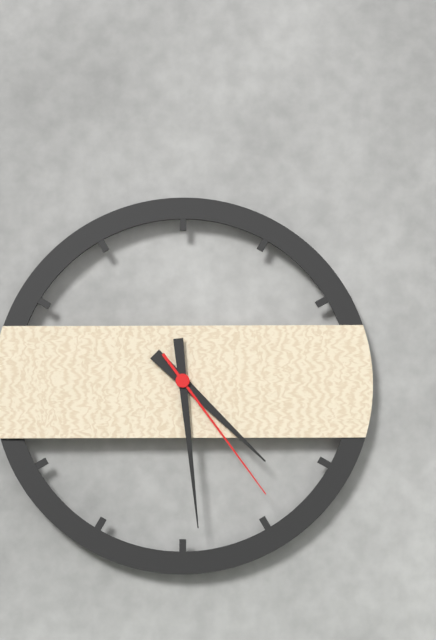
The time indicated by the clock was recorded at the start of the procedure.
4:29:24
